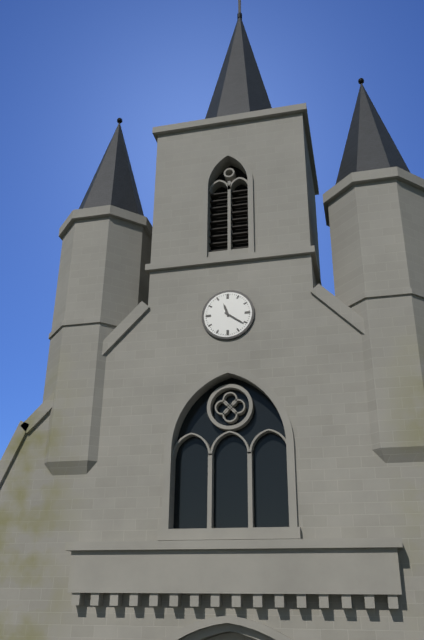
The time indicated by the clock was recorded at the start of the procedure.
11:21
